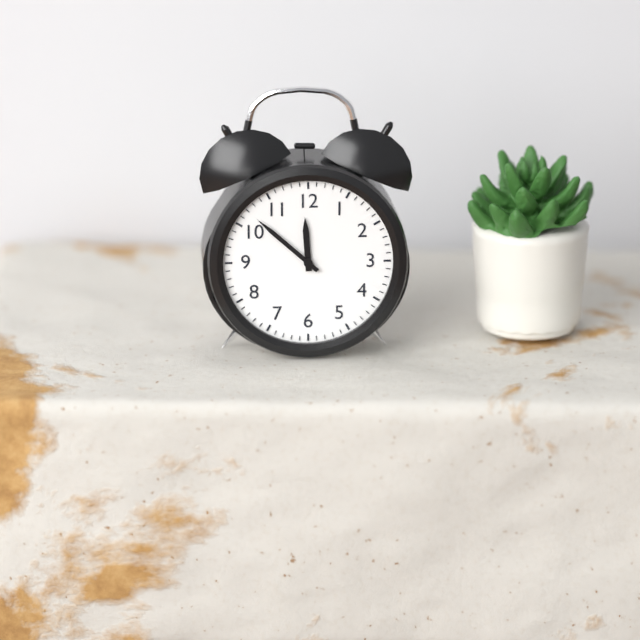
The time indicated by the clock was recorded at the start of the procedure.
11:52
